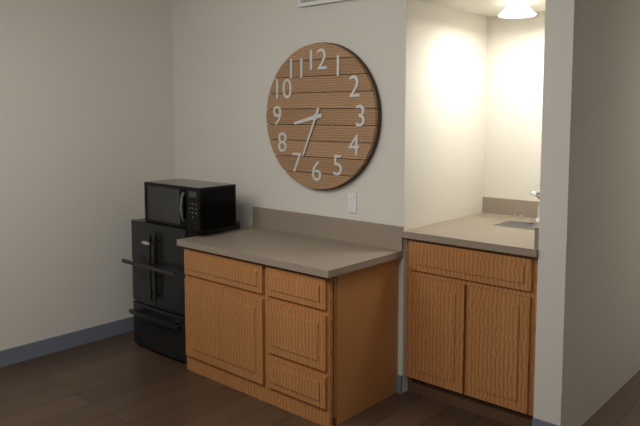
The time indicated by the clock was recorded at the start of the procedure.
8:34
